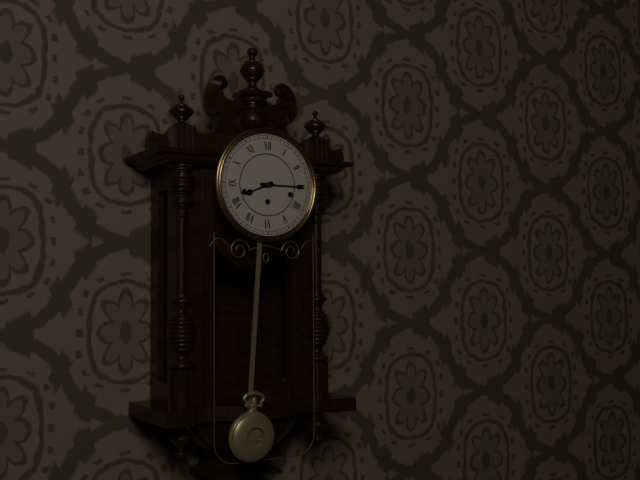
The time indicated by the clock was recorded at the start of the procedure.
8:15
